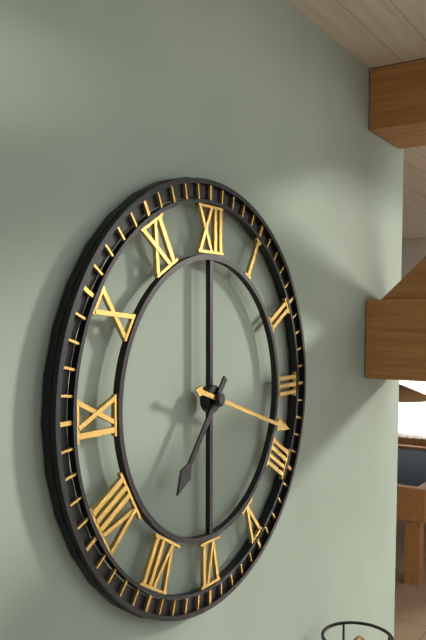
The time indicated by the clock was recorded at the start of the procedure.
7:18
